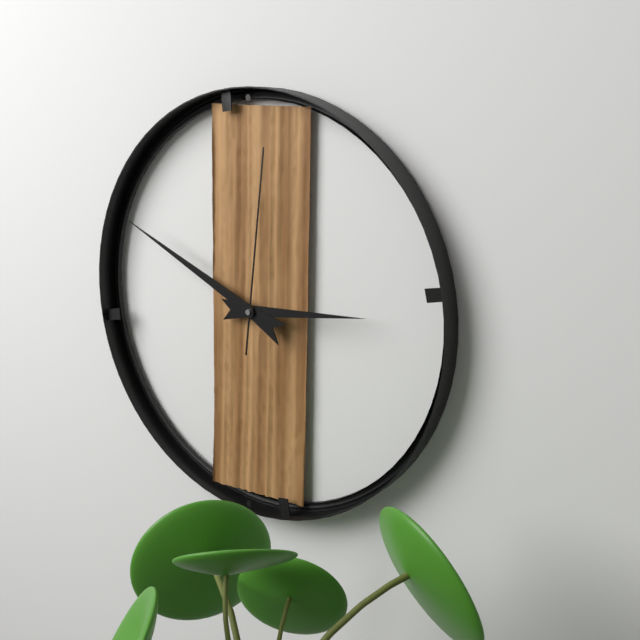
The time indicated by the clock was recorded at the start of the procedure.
2:49:01
